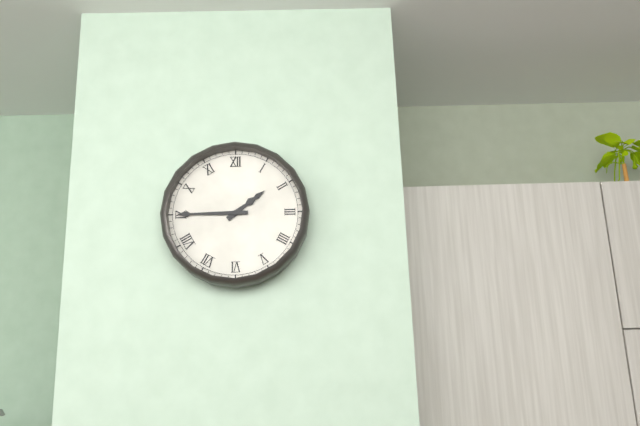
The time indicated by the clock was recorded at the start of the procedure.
1:45
